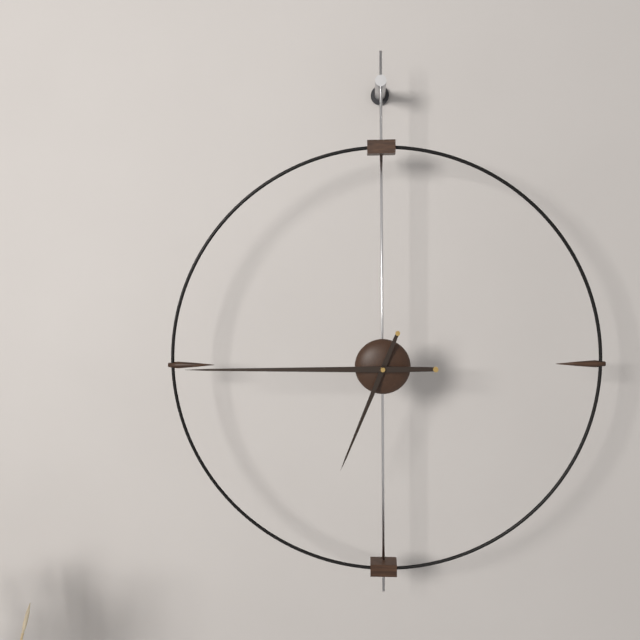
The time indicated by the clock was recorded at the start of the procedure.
6:45
